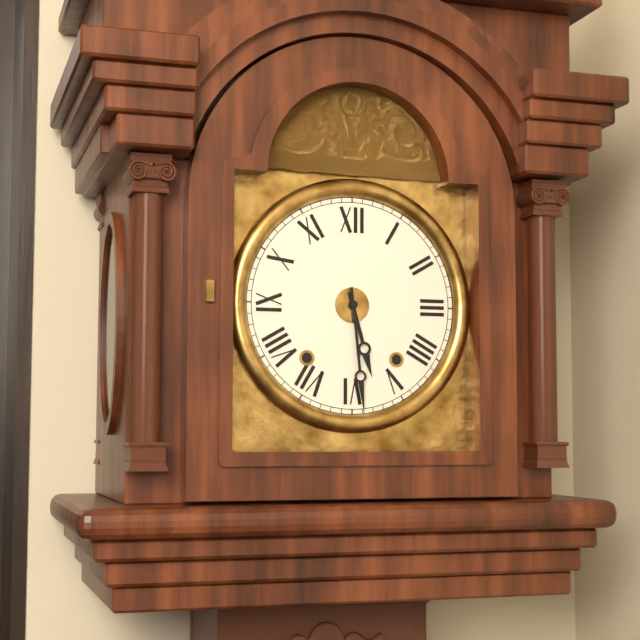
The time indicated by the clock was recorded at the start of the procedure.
5:29
